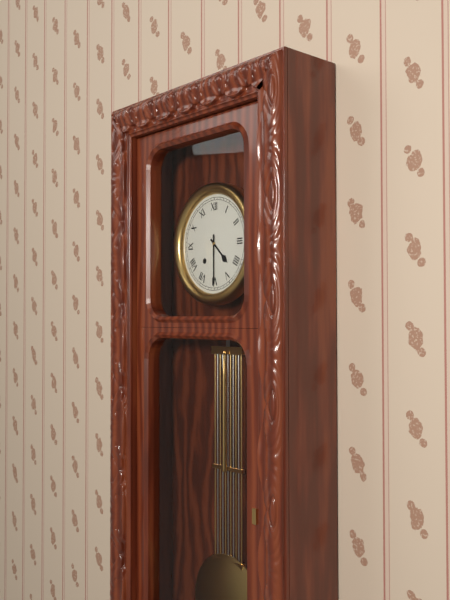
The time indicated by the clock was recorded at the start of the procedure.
4:30
